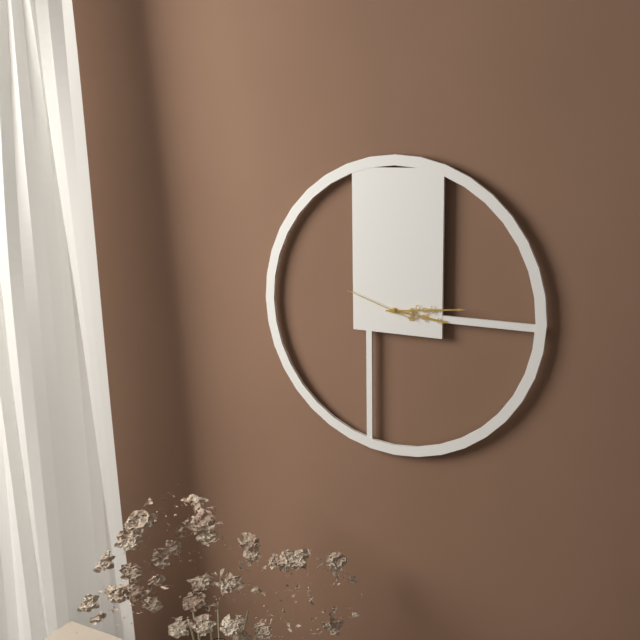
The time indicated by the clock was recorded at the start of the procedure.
3:14:48
